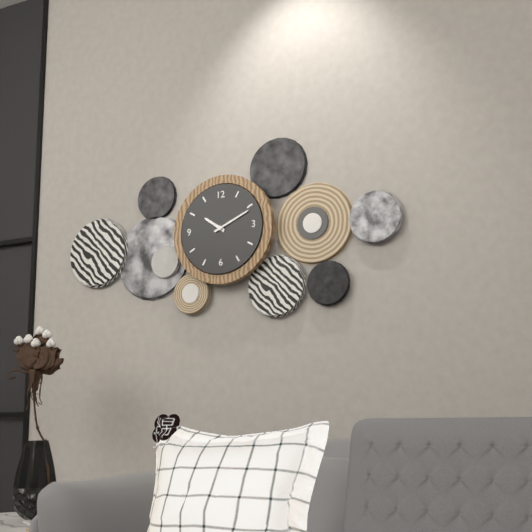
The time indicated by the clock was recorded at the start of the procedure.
10:11
